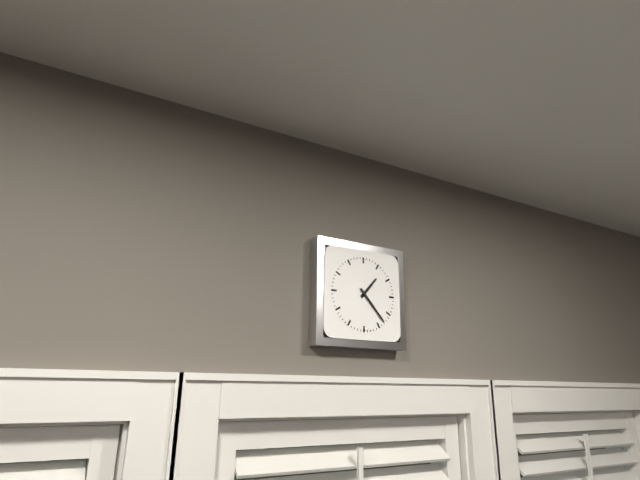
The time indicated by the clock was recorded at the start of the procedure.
1:23
